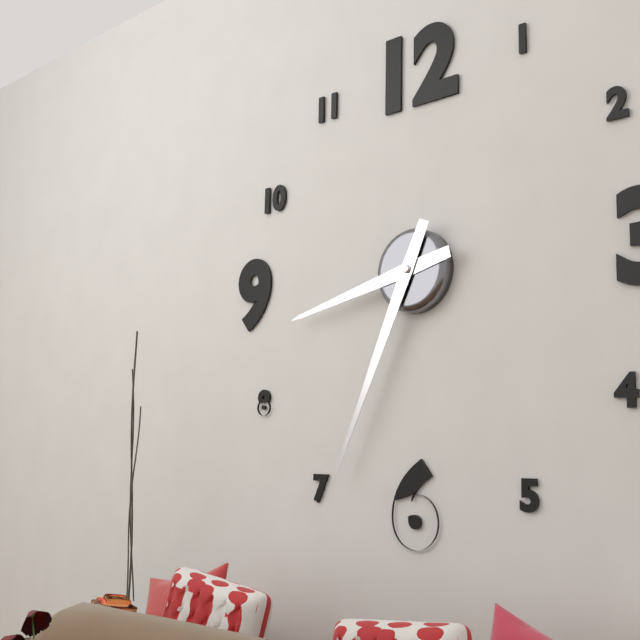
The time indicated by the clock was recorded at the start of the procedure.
8:34
